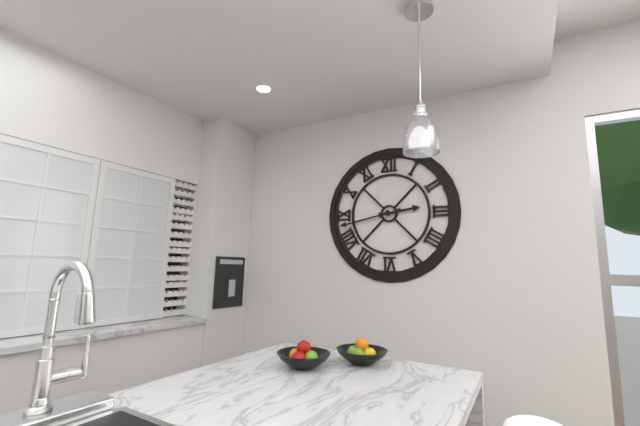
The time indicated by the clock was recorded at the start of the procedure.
2:43
